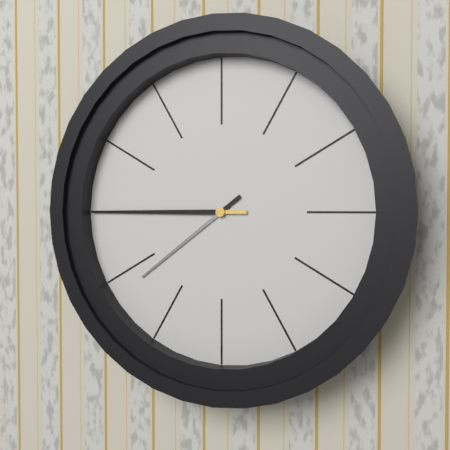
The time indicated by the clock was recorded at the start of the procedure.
7:45
